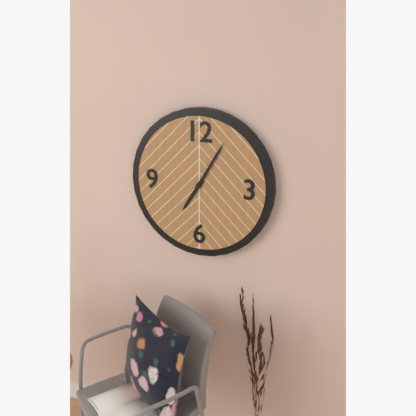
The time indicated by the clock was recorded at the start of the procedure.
7:05
